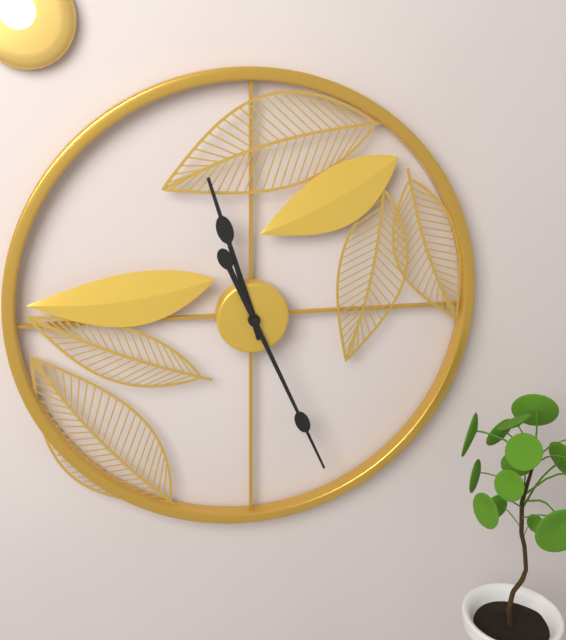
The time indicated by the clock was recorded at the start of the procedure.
11:26
